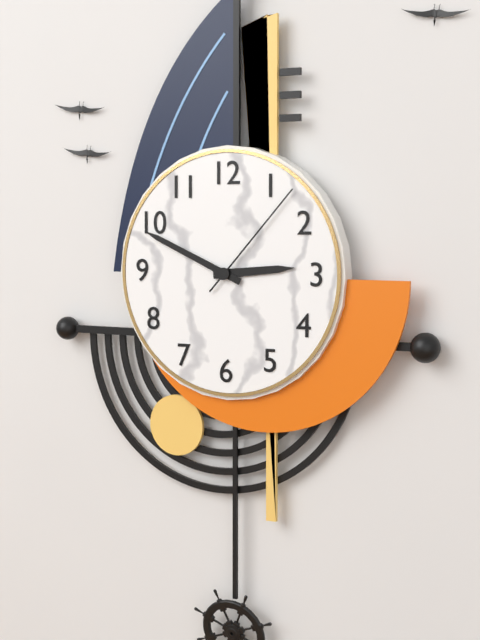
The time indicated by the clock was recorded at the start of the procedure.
2:49:07
